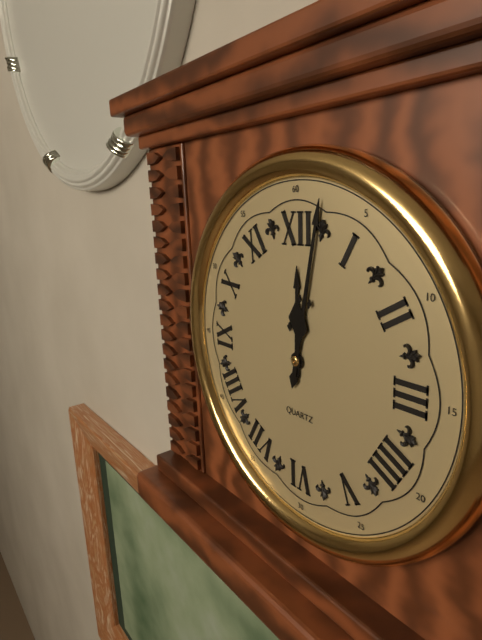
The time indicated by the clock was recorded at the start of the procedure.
12:02
